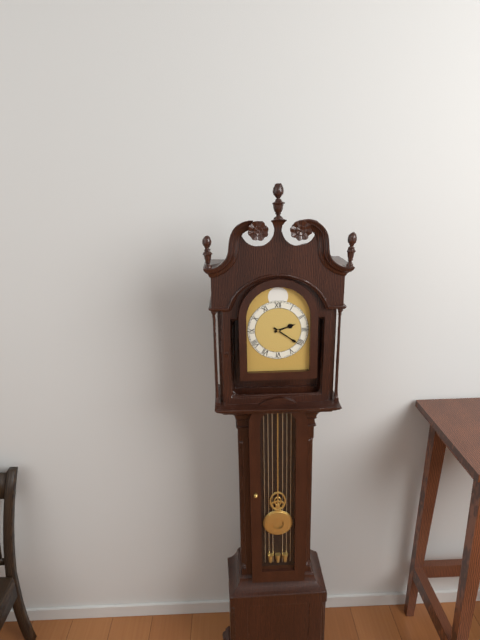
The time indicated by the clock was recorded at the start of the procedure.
2:21
